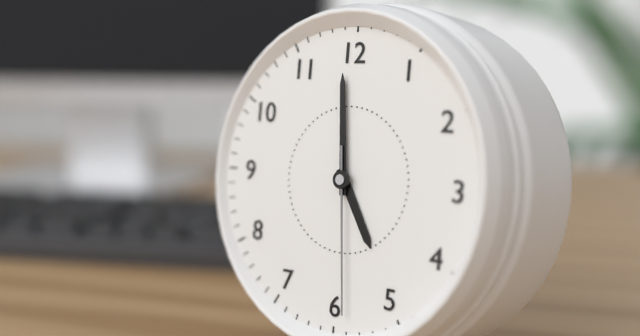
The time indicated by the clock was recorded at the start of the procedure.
4:59:29
